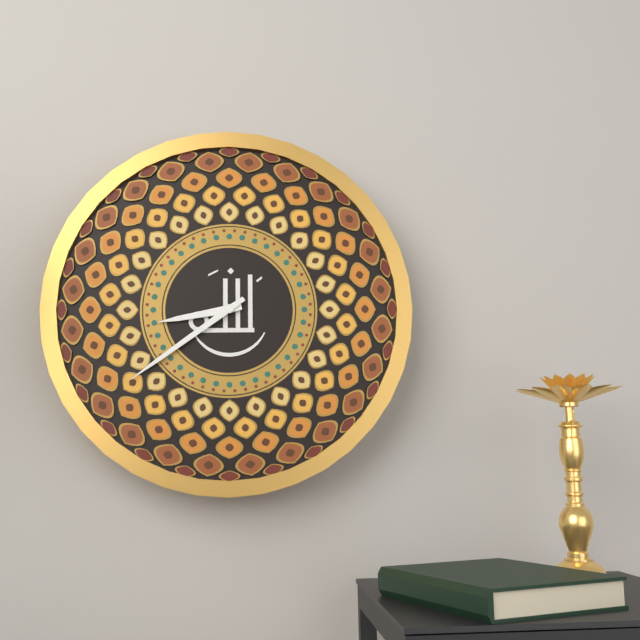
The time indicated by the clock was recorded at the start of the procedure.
8:39
